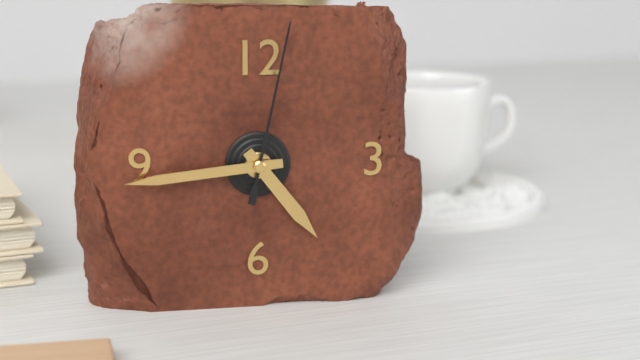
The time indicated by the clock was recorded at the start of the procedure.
4:44:02
